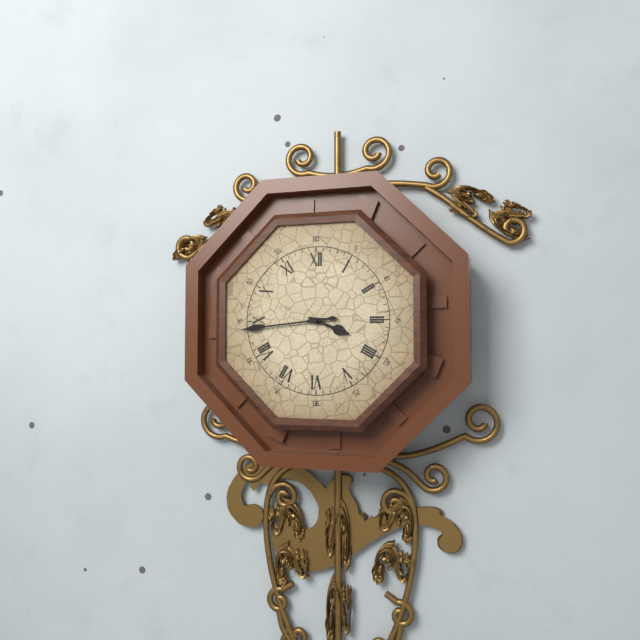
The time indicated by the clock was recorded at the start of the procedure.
3:44
